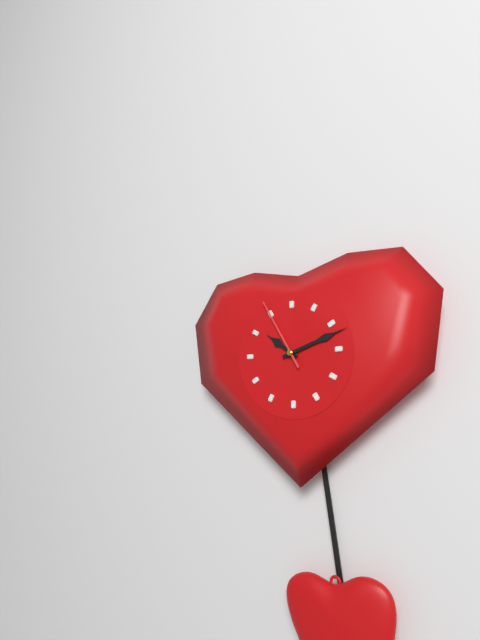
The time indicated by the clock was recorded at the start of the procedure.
10:12:55
